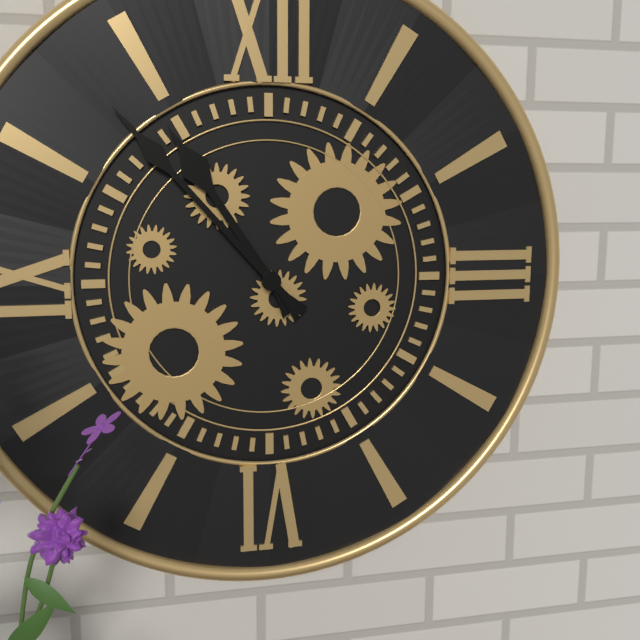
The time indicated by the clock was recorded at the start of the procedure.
10:53
